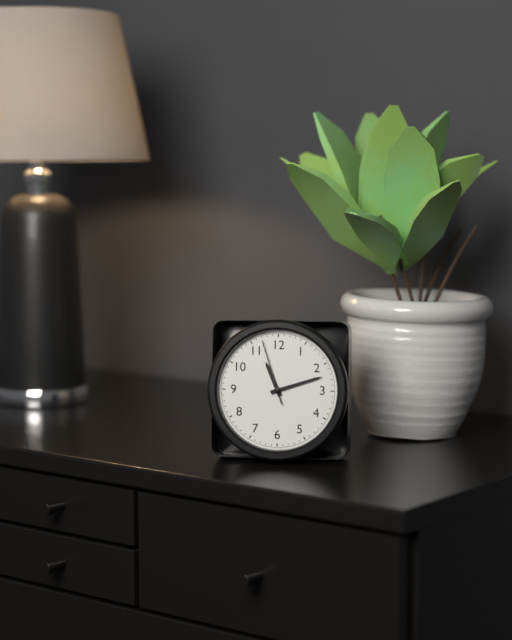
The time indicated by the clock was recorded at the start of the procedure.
11:12:57
